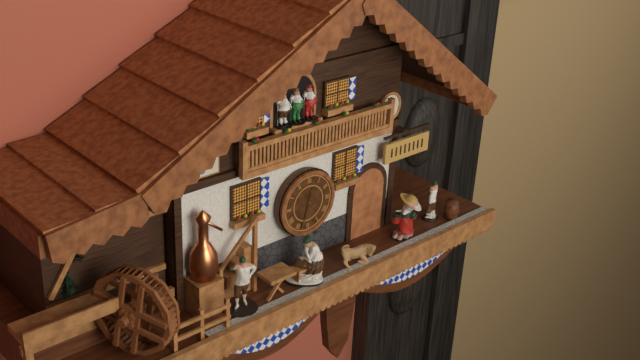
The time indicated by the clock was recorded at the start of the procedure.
12:33
